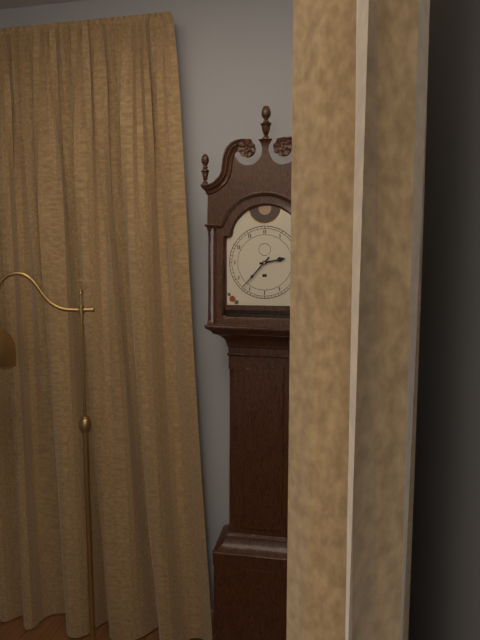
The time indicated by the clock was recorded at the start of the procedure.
2:37
